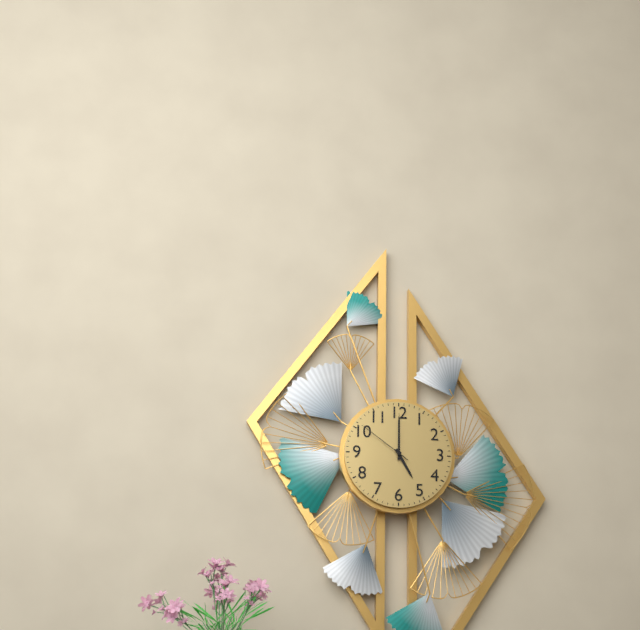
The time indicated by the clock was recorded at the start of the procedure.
5:00:51
